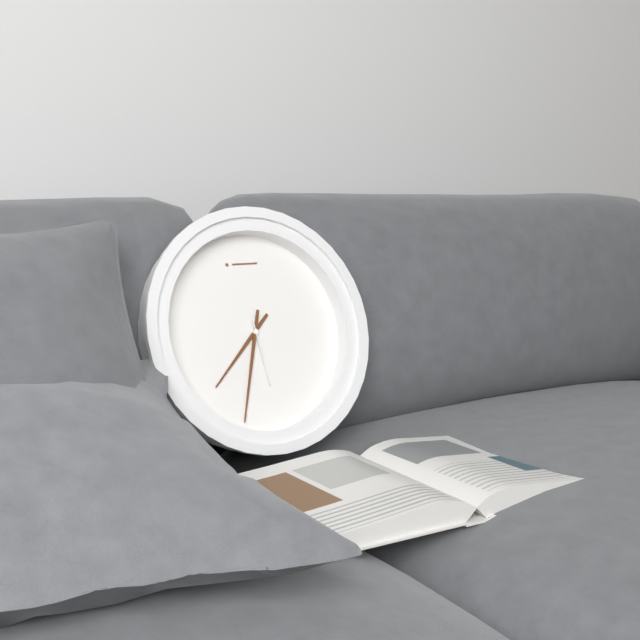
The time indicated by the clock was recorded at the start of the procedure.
7:33:29
